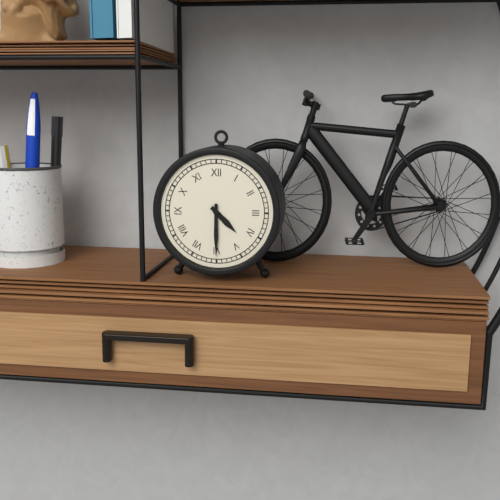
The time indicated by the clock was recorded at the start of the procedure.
4:30
